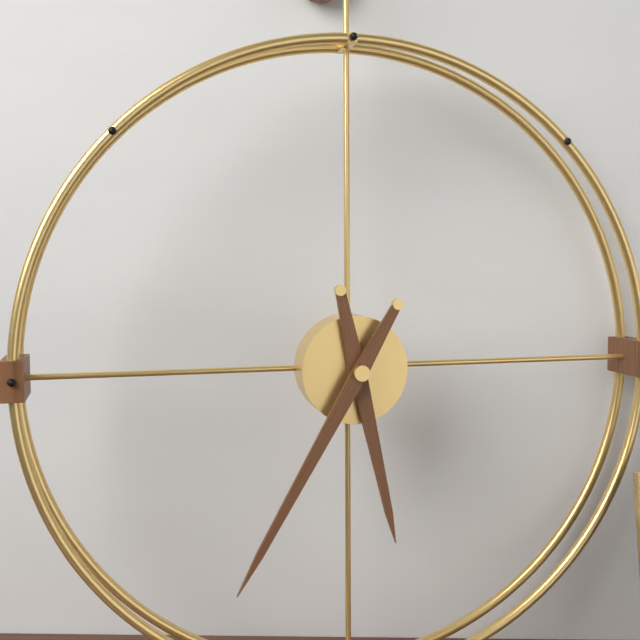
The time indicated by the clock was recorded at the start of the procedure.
5:35
